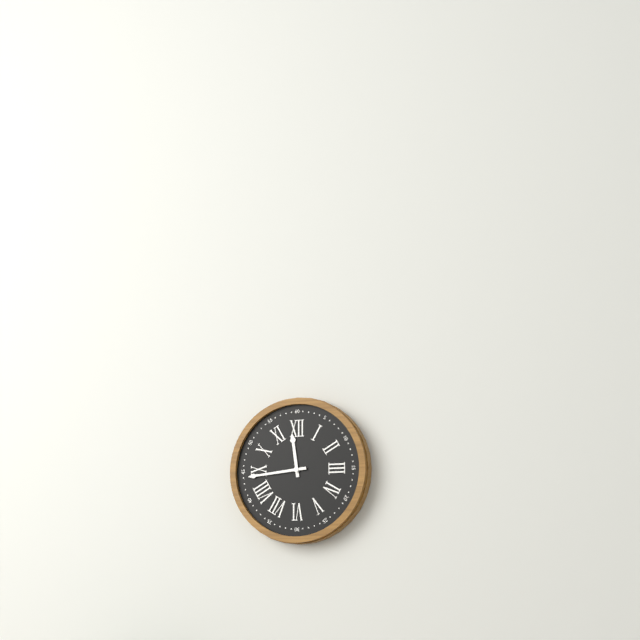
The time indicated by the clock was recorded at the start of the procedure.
11:44
